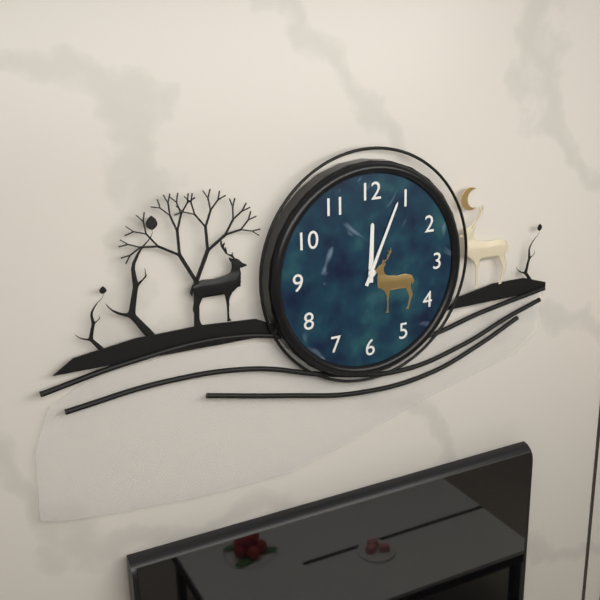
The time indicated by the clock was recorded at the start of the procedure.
12:04
